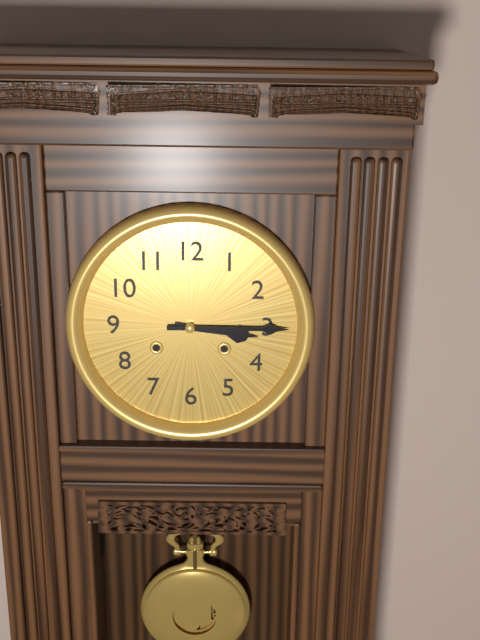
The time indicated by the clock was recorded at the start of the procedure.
3:15
